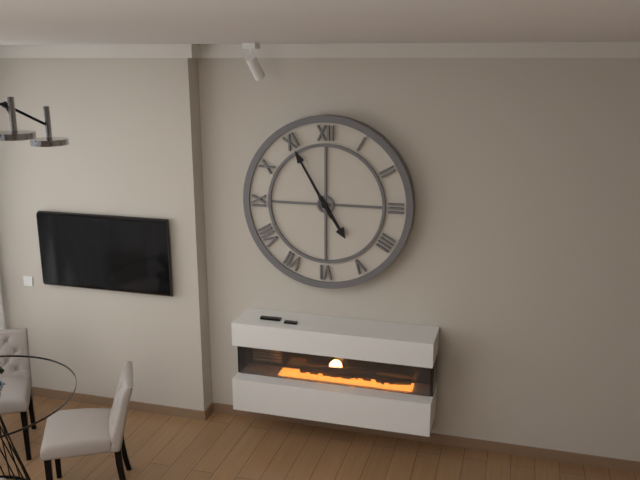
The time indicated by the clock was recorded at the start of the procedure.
4:55
